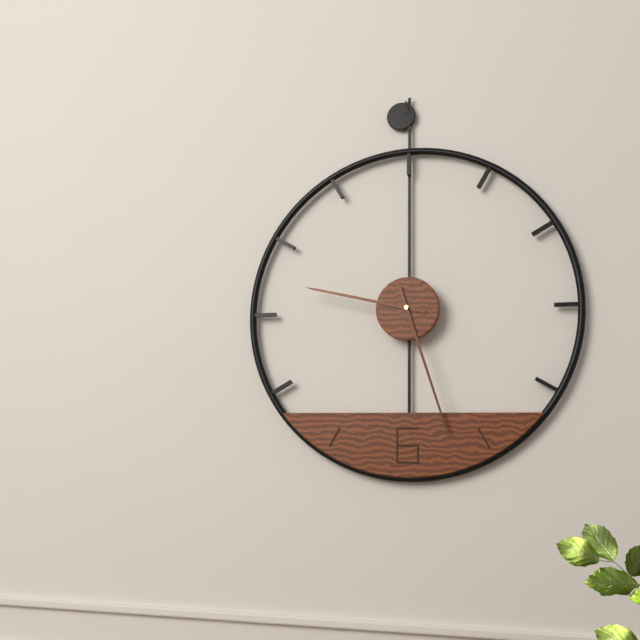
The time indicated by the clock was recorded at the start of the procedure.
9:27
